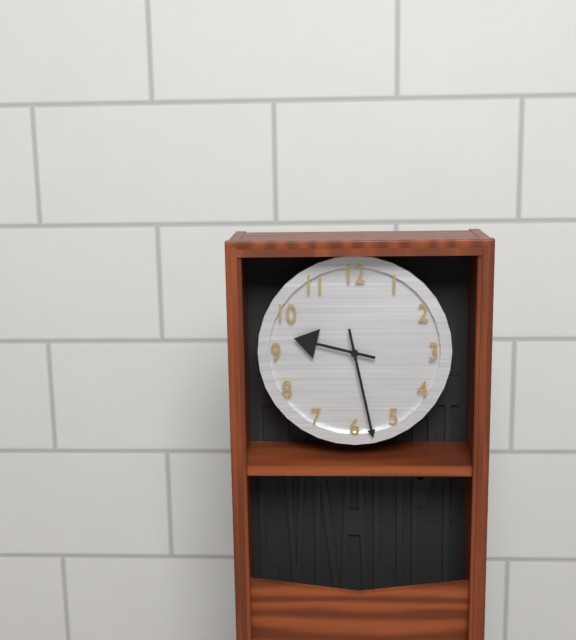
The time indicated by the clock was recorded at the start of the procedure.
9:28
